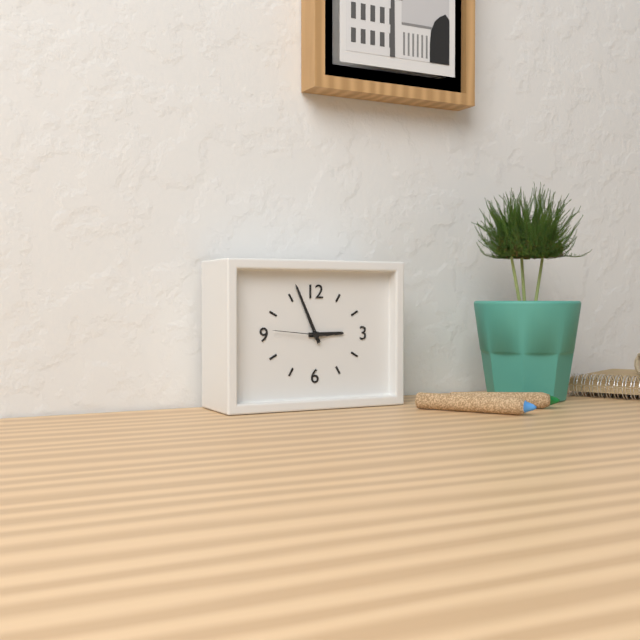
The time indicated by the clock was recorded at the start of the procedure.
2:56:46
